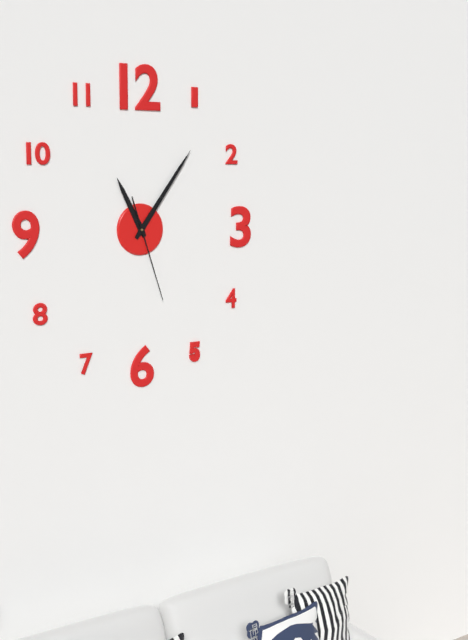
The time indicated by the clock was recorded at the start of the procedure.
11:06:27
